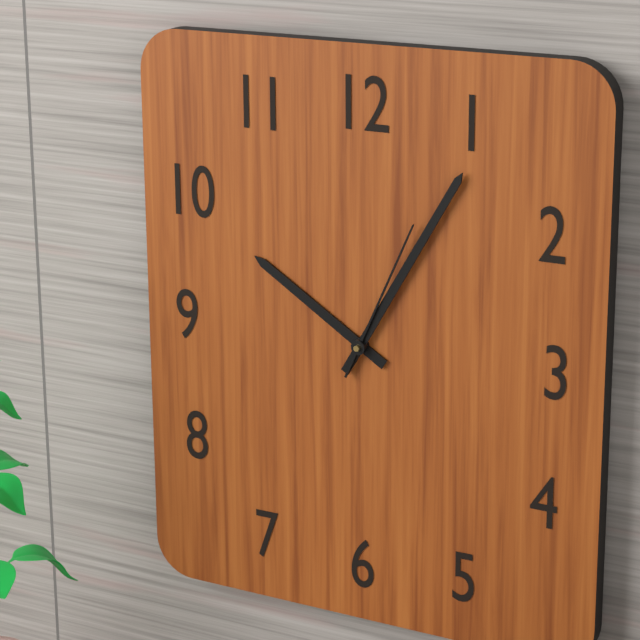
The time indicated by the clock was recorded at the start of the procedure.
10:05:04
